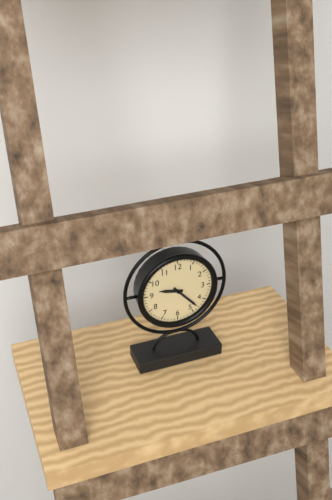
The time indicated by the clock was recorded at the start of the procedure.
9:23
